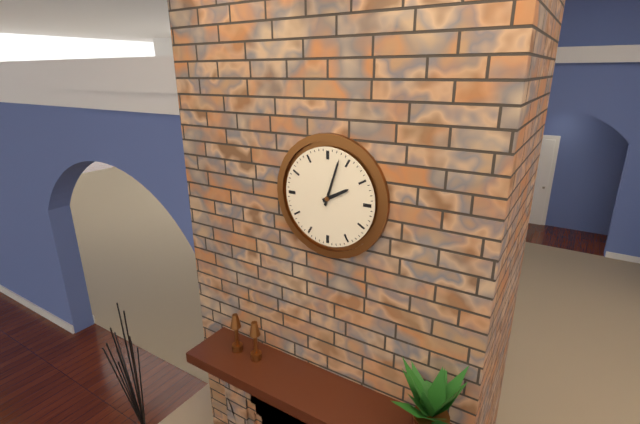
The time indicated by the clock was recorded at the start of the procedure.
2:03
